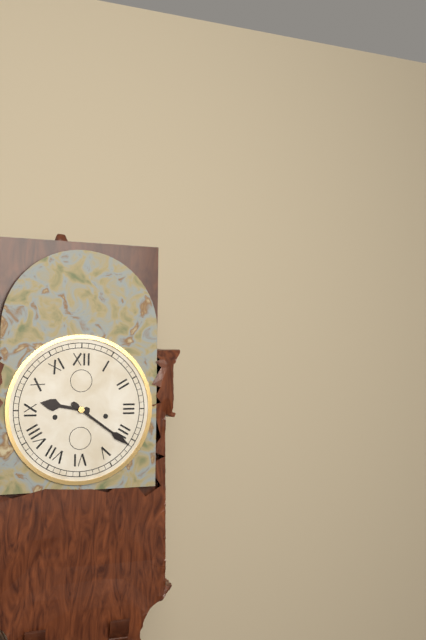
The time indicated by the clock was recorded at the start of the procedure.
9:21
